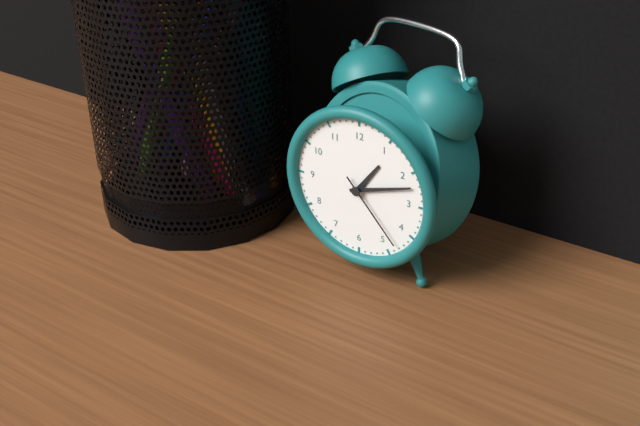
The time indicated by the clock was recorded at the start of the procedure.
1:12:23
